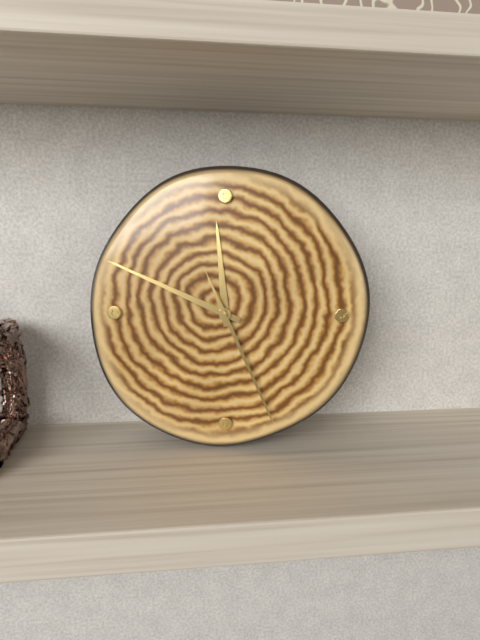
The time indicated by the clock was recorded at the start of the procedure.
11:49:26
